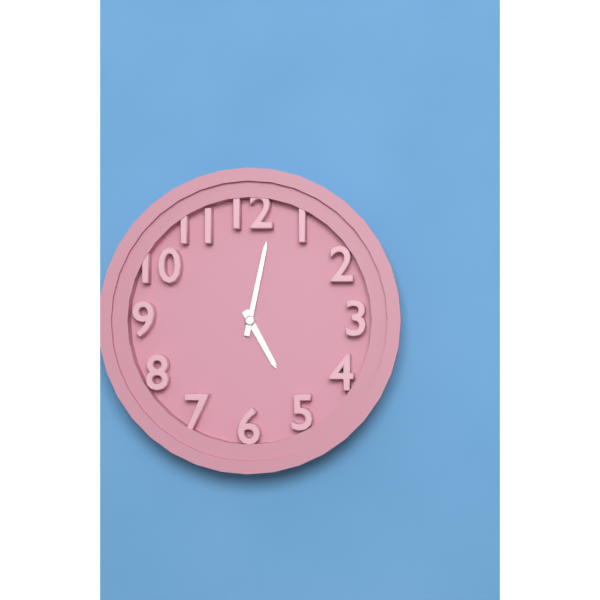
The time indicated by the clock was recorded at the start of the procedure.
5:02
